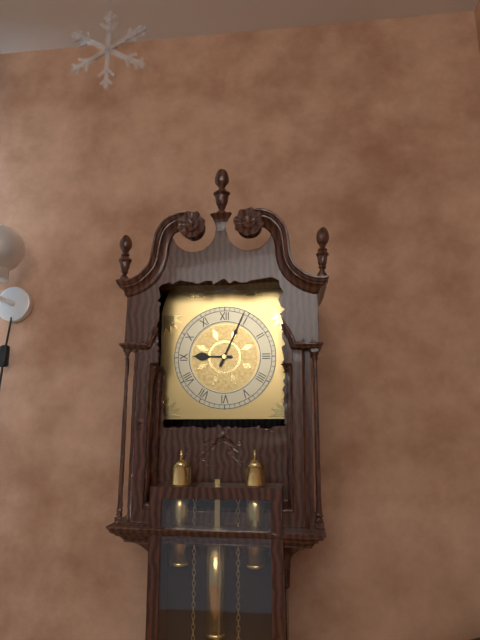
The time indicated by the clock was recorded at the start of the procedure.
9:04
